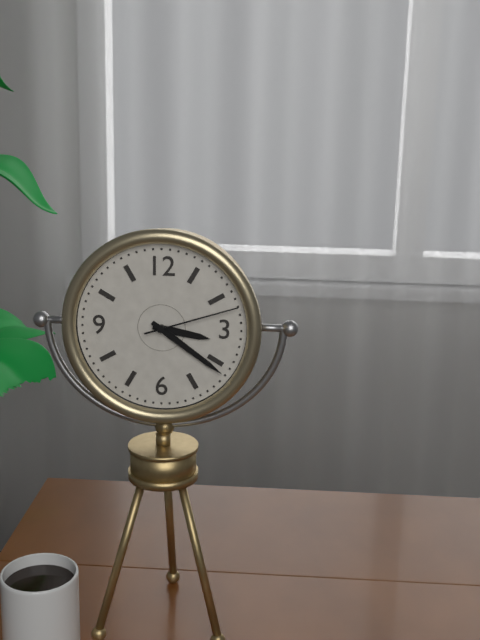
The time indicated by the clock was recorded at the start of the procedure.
3:21:12
